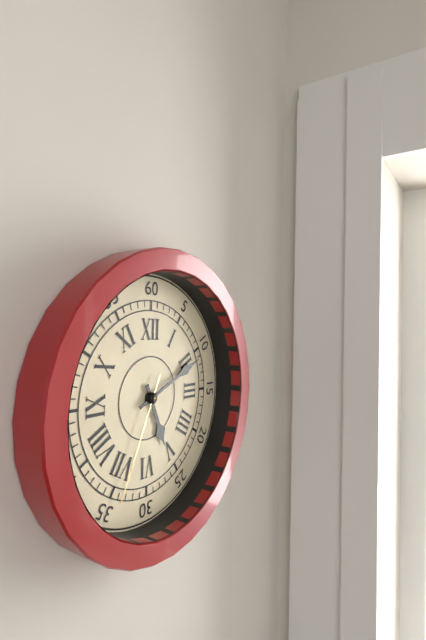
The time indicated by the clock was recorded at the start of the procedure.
5:11:34
